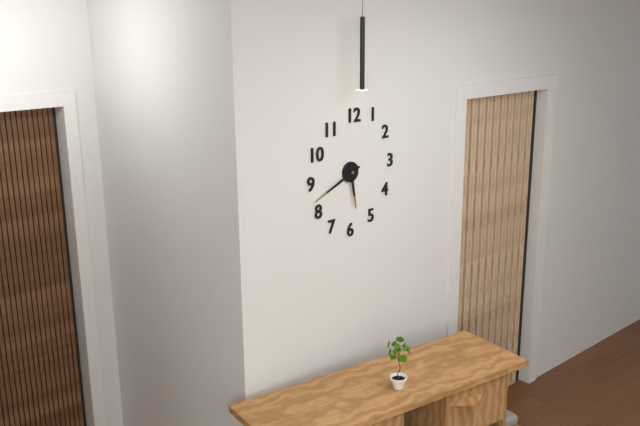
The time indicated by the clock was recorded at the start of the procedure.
5:41
